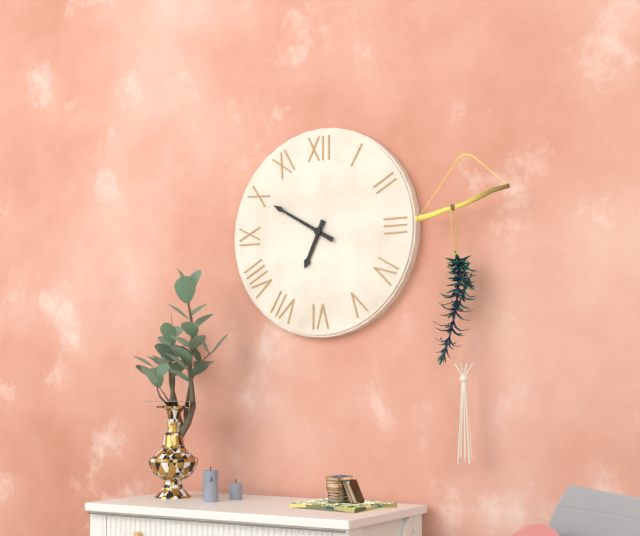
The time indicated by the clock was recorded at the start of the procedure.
6:50
